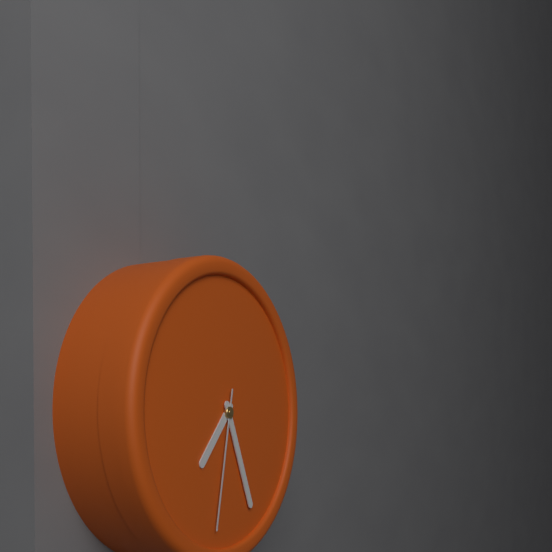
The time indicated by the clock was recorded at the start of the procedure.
7:26:32
